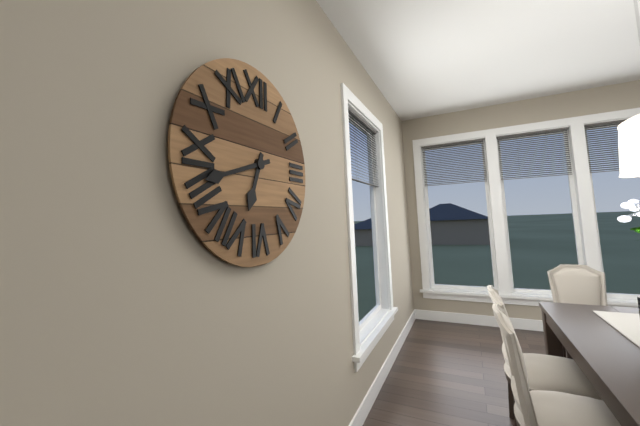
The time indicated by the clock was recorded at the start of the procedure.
6:42
